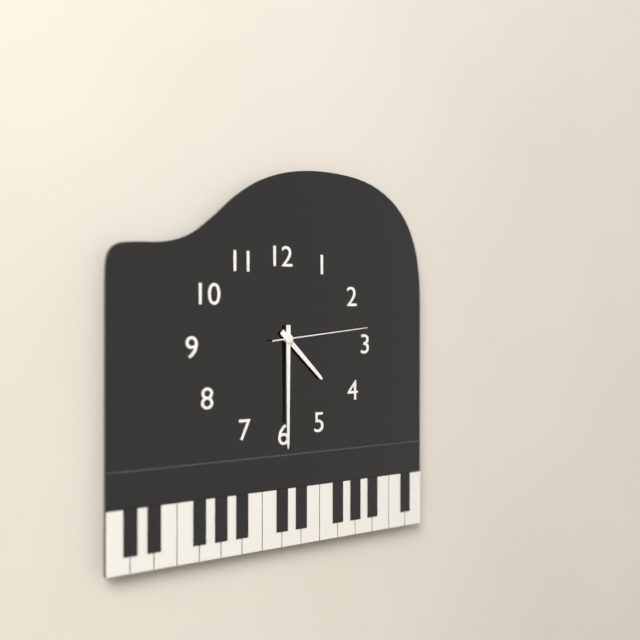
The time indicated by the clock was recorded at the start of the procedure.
4:30:14
